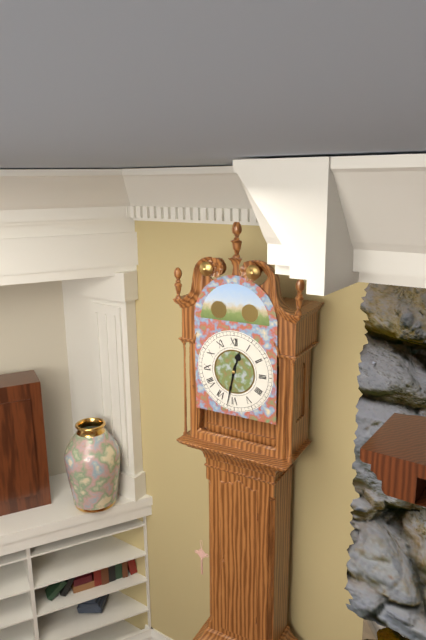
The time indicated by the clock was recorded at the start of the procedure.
12:32
